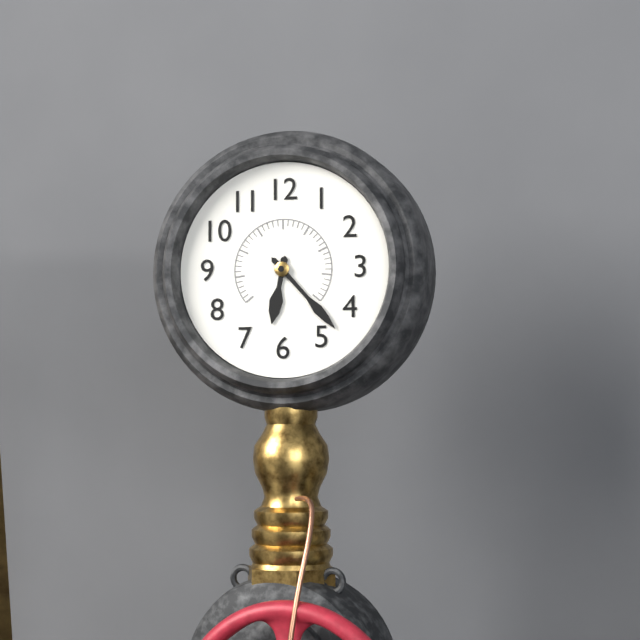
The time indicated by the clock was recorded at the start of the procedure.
6:23
